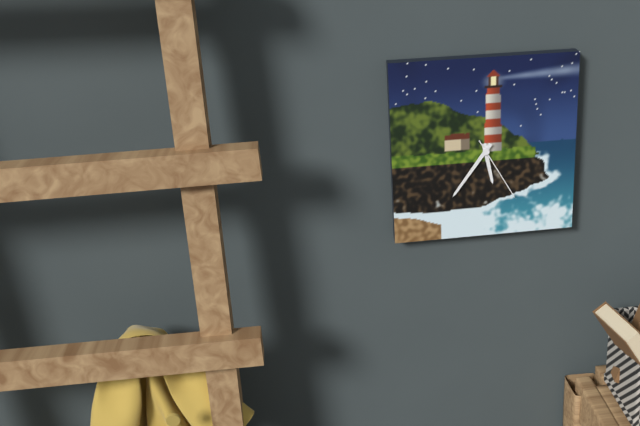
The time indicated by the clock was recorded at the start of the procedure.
5:36:25
